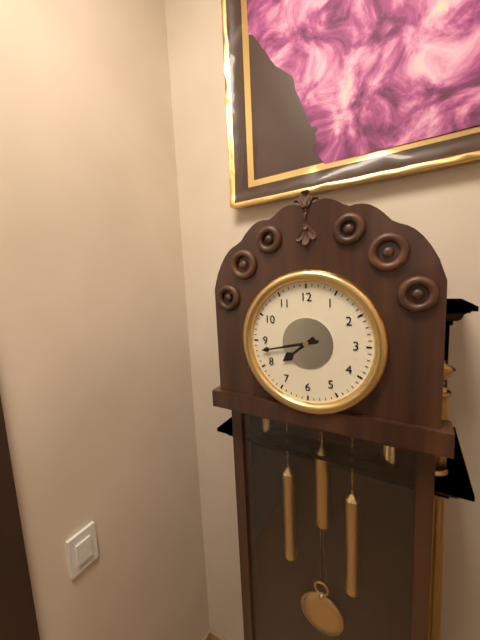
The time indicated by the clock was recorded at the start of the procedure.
7:43
